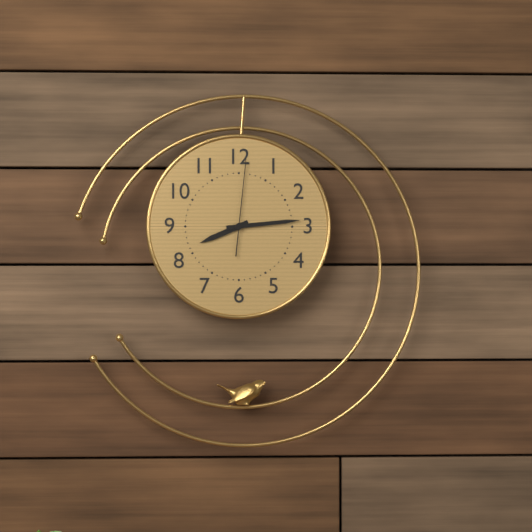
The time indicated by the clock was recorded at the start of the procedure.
8:14:01
